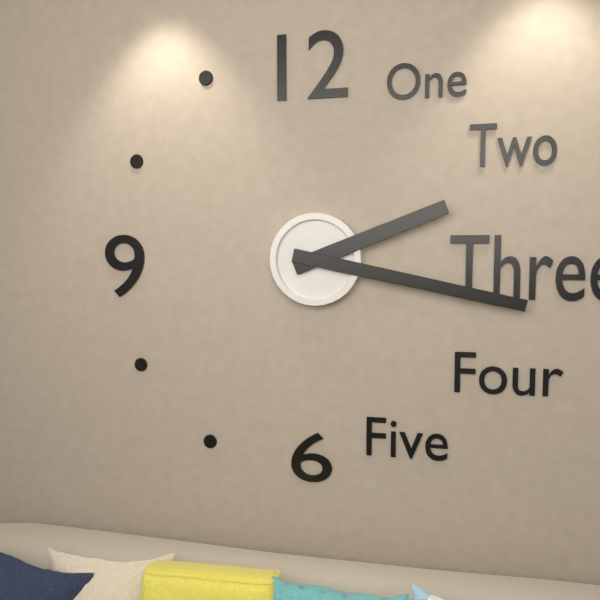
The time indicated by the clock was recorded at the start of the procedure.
2:17
